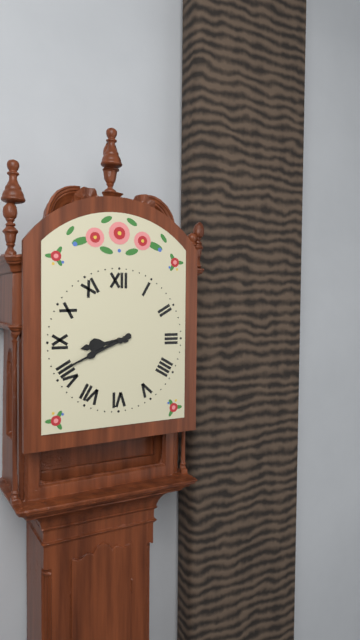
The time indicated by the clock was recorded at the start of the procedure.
8:41
